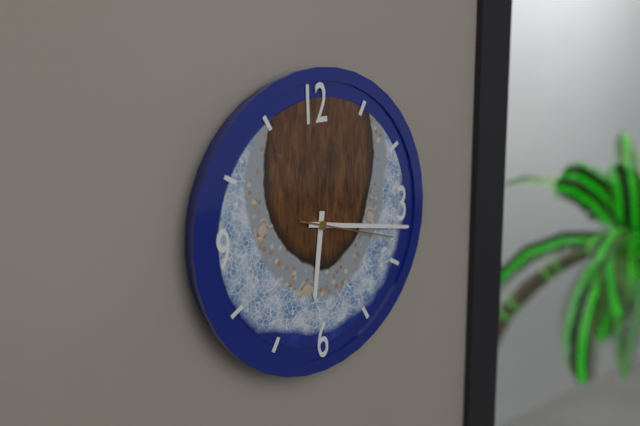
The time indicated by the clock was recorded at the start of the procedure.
6:17:18
